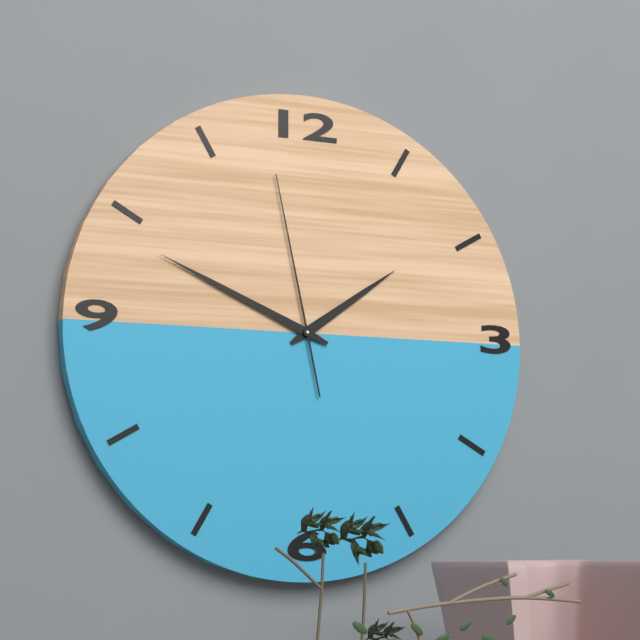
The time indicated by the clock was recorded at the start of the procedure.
1:49:58
